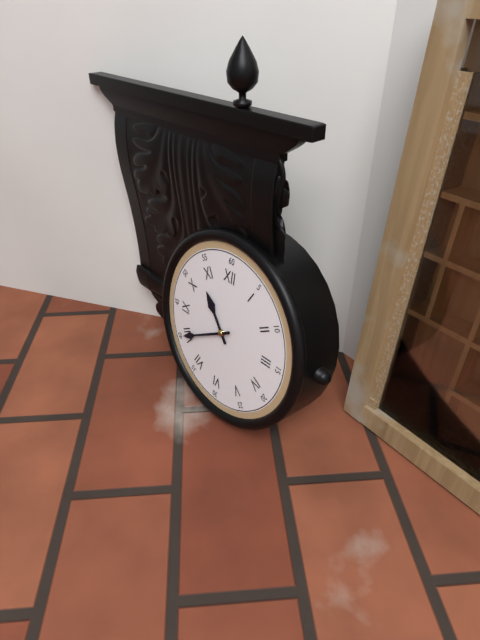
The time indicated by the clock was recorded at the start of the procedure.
10:40
